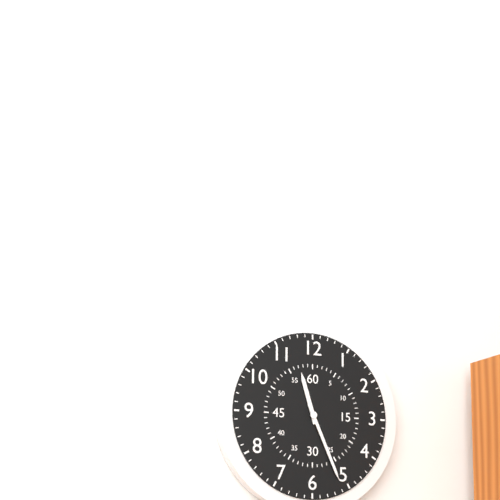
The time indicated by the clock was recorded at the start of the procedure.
11:26
